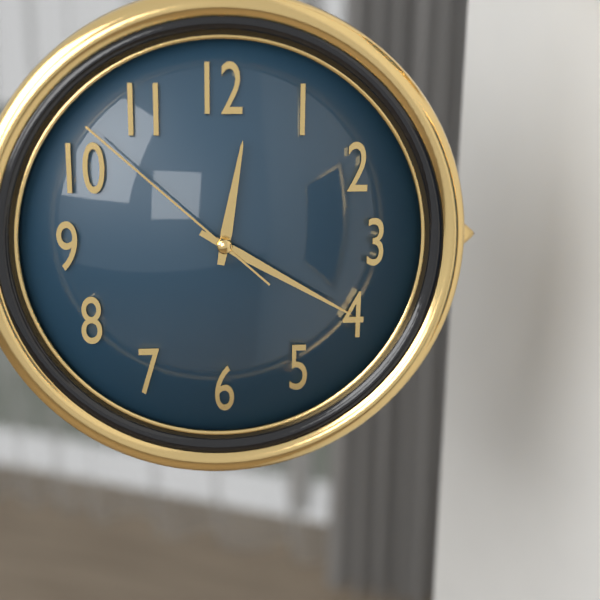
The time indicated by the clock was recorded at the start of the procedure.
12:20:52
